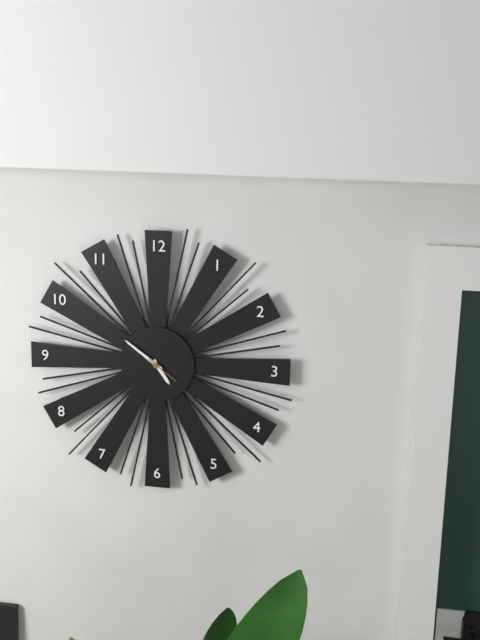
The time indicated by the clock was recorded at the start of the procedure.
4:51
